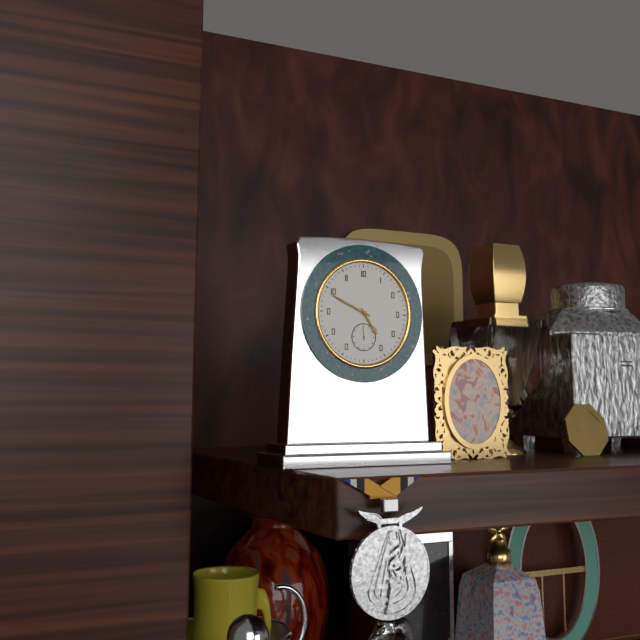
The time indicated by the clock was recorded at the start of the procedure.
4:49
